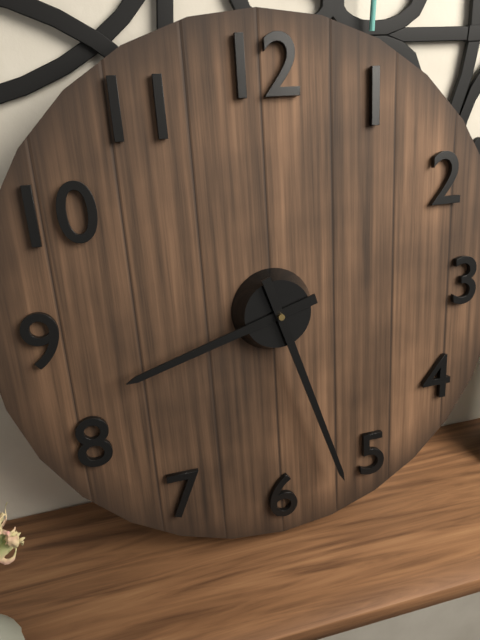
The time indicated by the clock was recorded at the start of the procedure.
8:27
